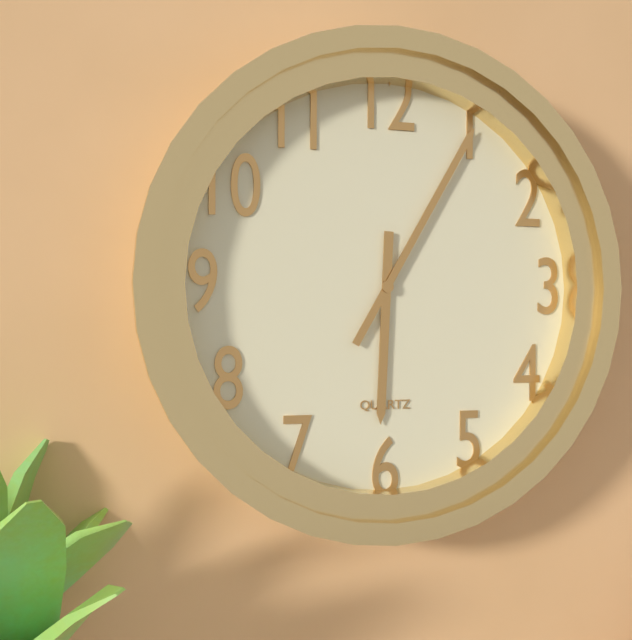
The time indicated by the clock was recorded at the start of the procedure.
6:05
